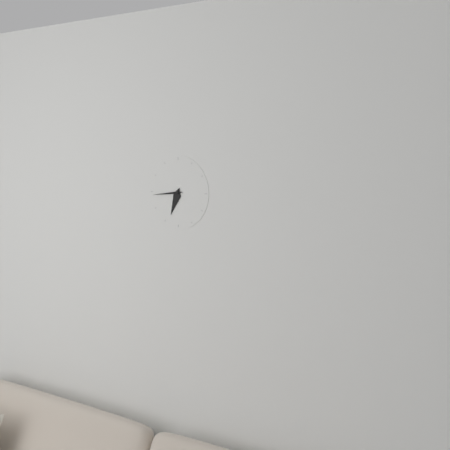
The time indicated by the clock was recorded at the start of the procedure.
6:44
